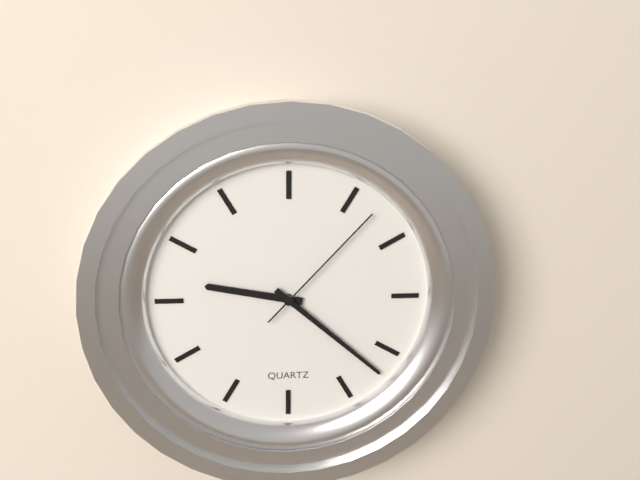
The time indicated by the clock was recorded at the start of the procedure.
9:22:07
